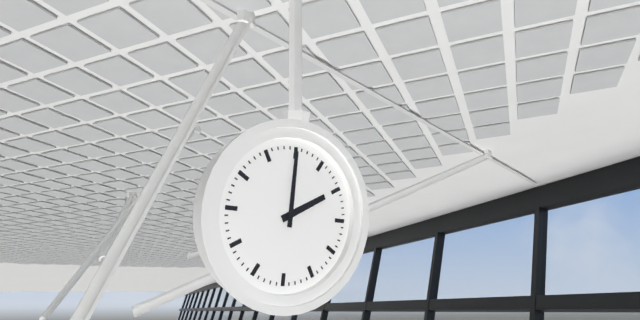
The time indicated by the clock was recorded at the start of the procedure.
2:00
